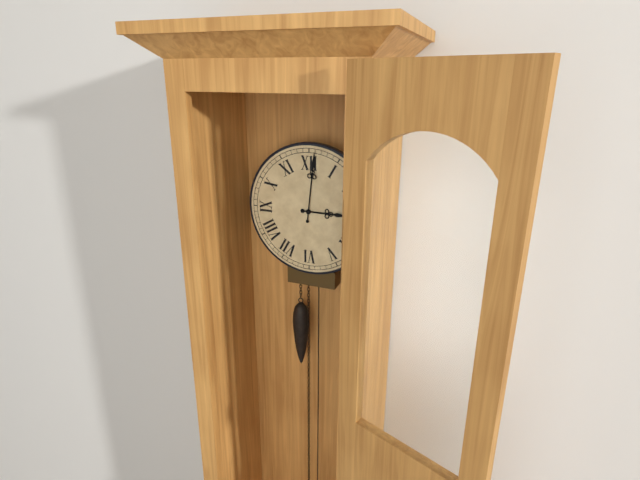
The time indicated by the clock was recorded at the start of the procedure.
3:01
